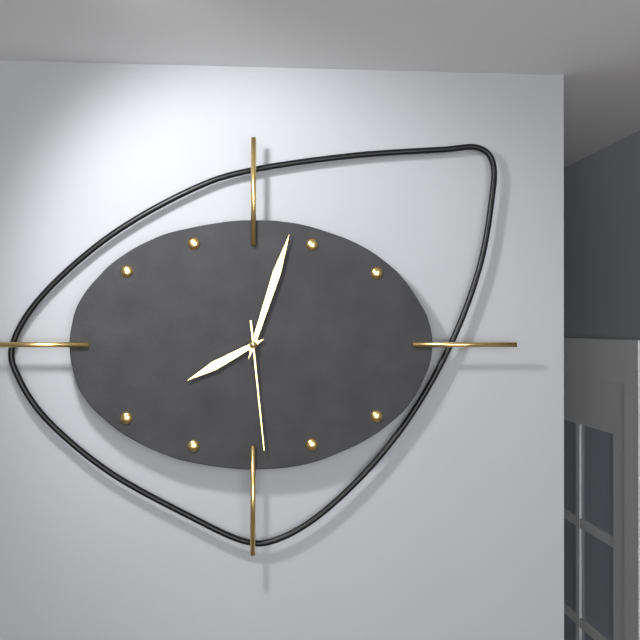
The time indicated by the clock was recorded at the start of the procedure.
8:03:29
